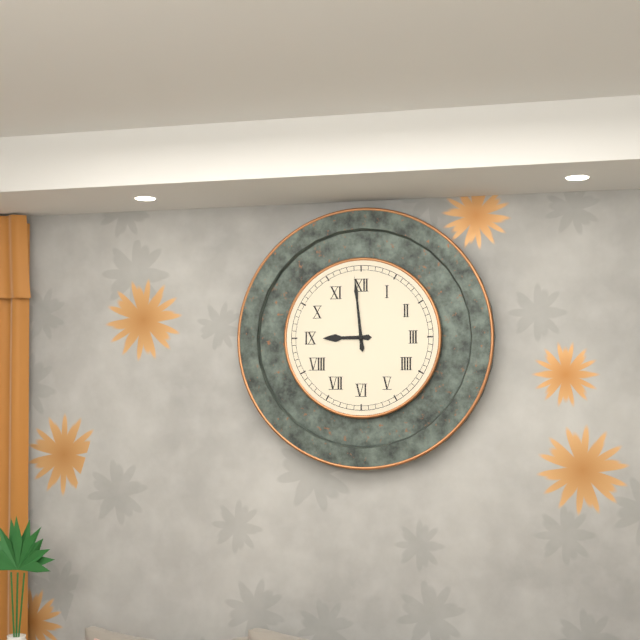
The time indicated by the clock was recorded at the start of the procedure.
8:59
